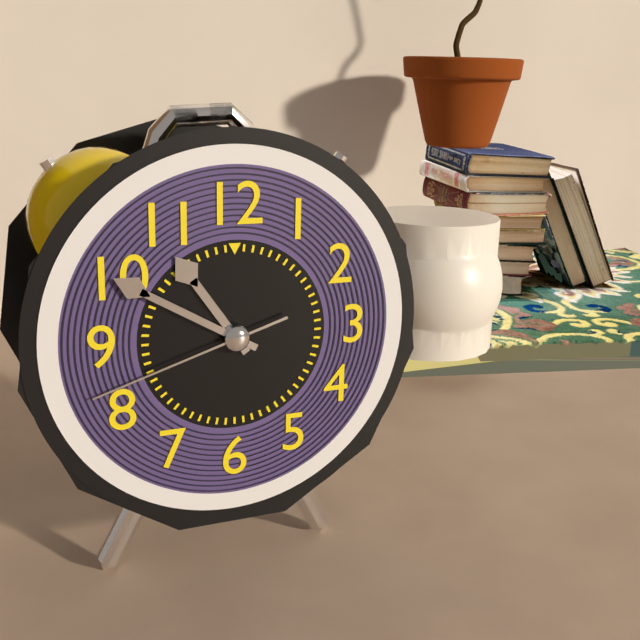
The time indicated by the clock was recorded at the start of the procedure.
10:50:42
